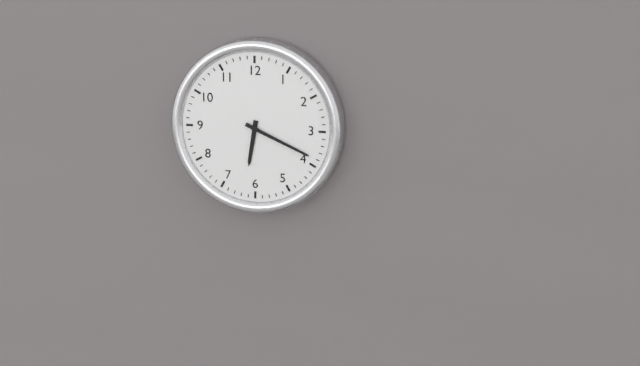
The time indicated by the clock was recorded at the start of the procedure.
6:19
